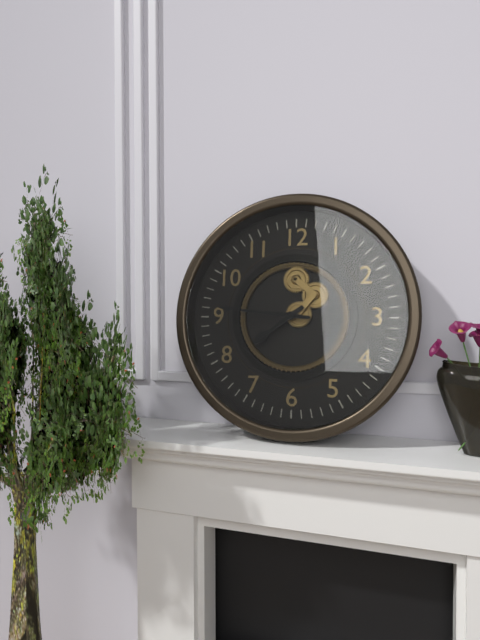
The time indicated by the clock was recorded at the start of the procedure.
7:46
